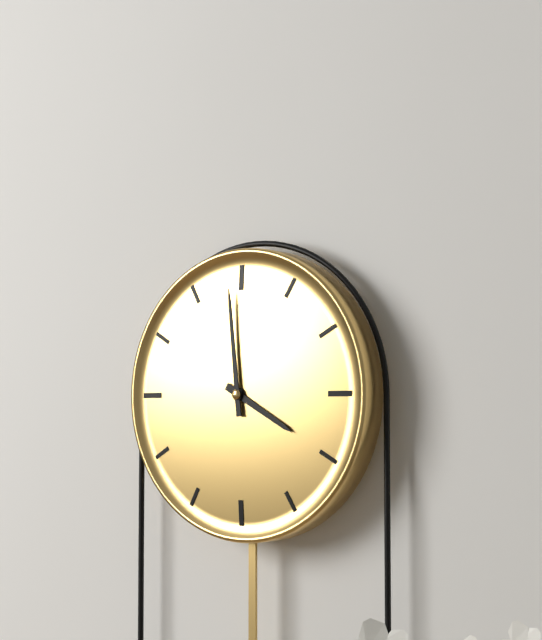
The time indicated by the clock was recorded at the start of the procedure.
3:59
